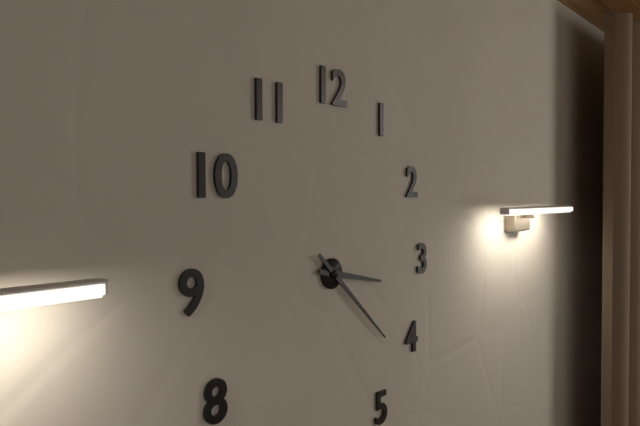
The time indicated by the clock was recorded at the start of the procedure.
3:22
